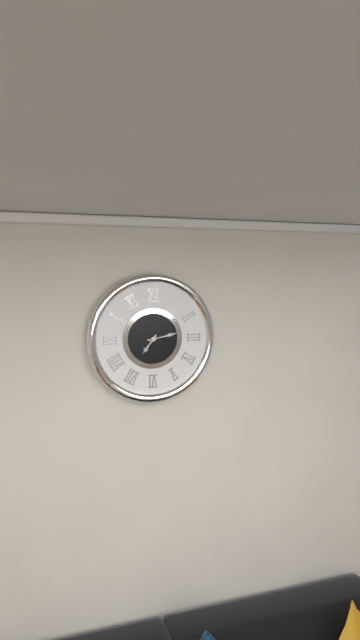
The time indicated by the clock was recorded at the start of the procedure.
7:13
